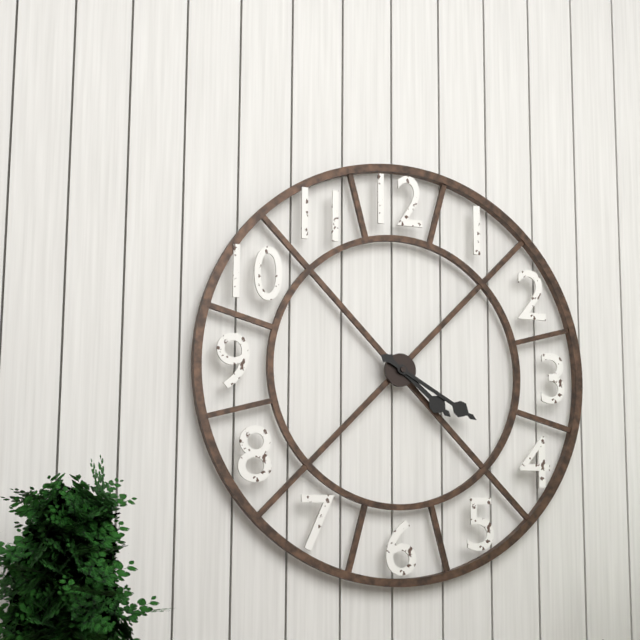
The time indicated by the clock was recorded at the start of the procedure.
4:20
